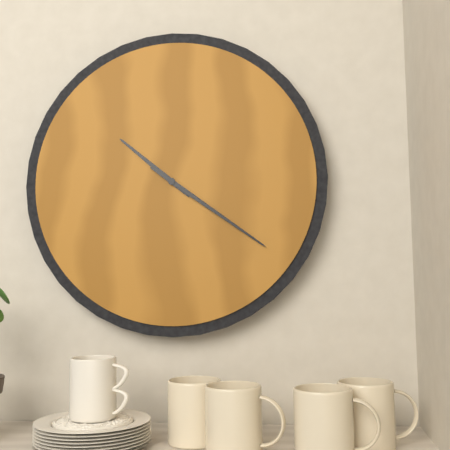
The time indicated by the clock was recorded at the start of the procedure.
10:21
